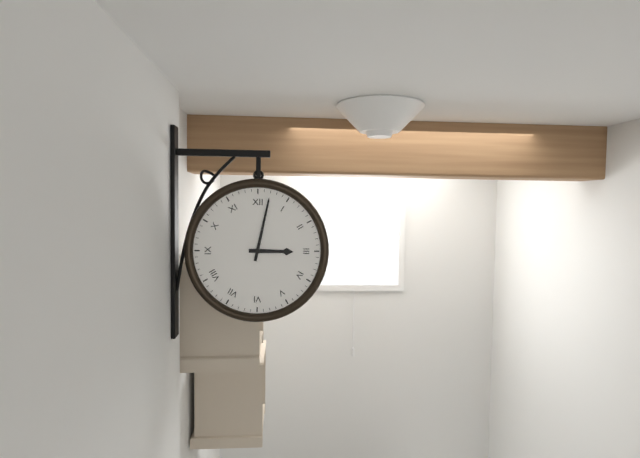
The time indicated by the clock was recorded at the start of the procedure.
3:02
